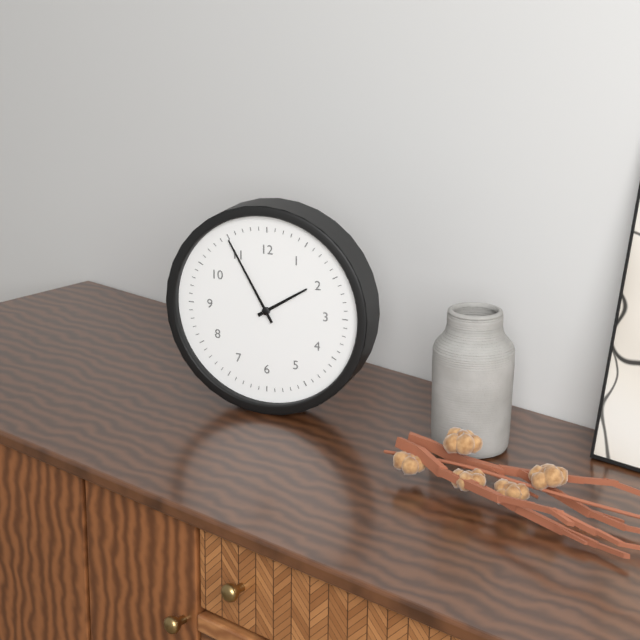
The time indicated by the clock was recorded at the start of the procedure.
1:55
